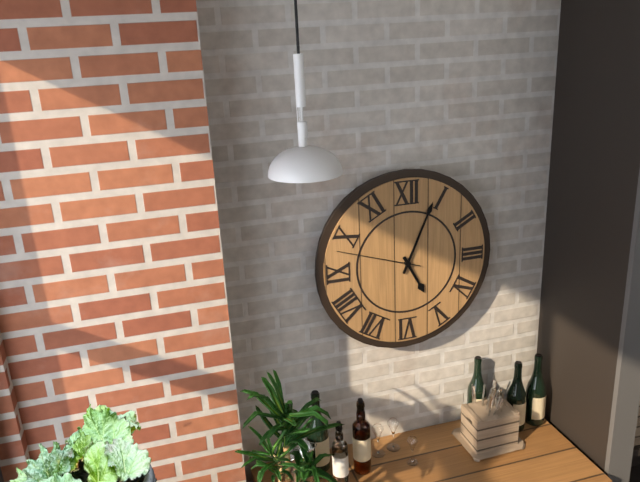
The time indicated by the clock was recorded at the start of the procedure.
5:04:48
